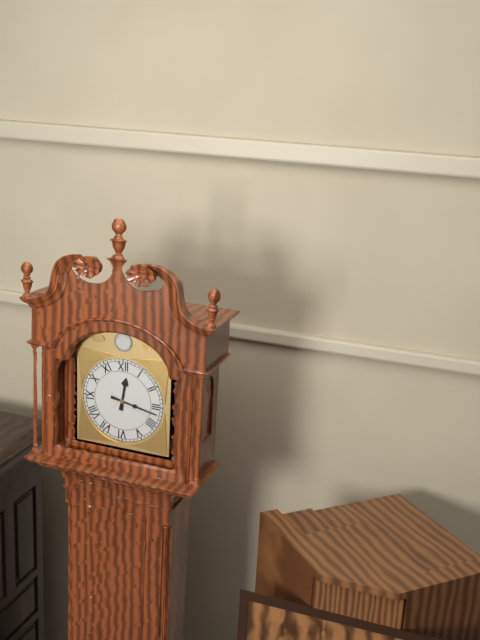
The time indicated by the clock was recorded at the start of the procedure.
12:17
